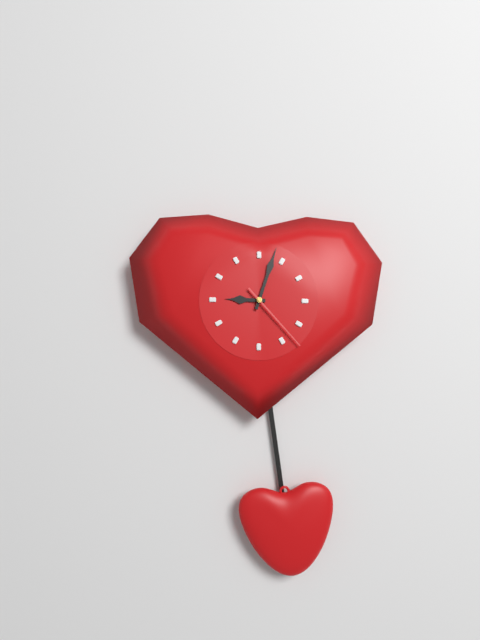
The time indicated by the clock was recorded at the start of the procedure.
9:03:23
